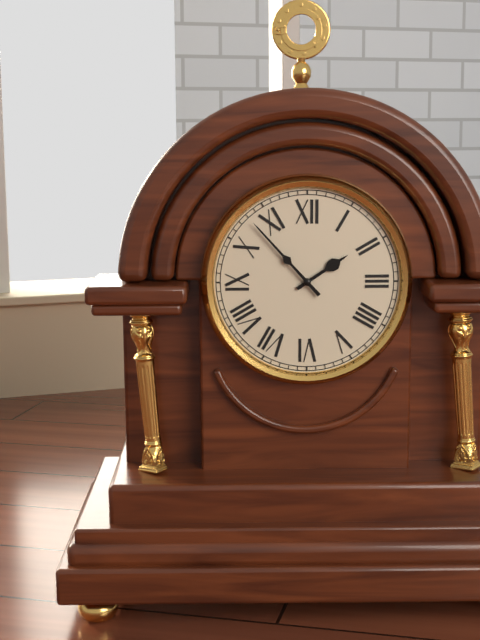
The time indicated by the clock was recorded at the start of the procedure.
1:53
